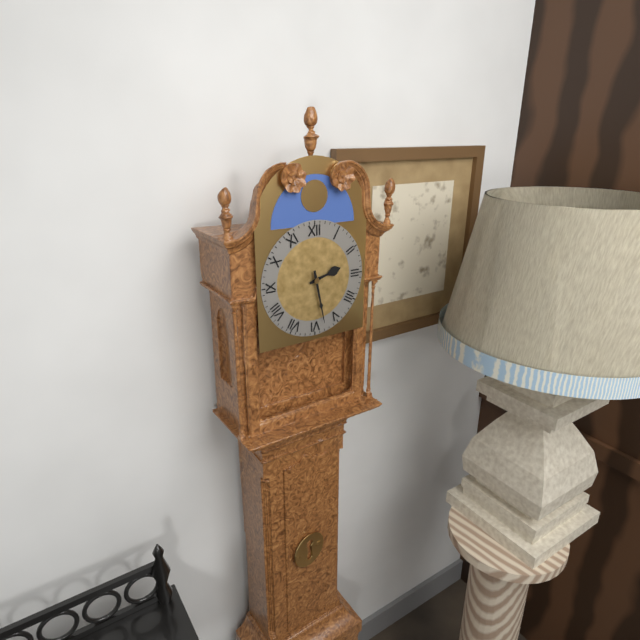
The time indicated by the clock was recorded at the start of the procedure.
2:28
